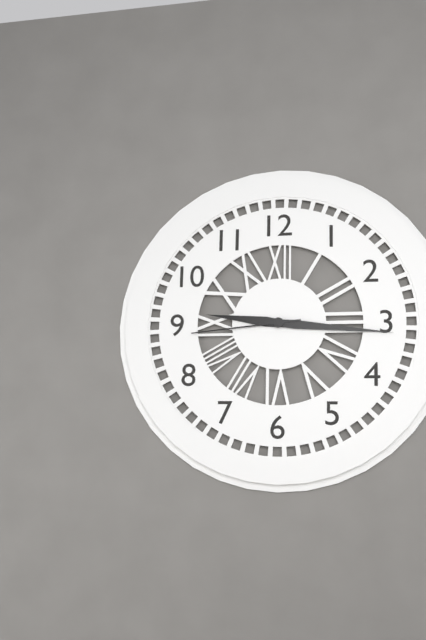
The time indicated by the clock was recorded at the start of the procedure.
9:16:44
